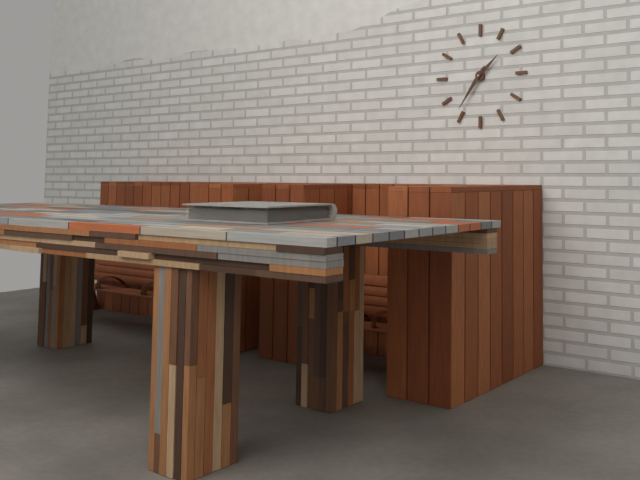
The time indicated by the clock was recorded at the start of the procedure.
1:36
